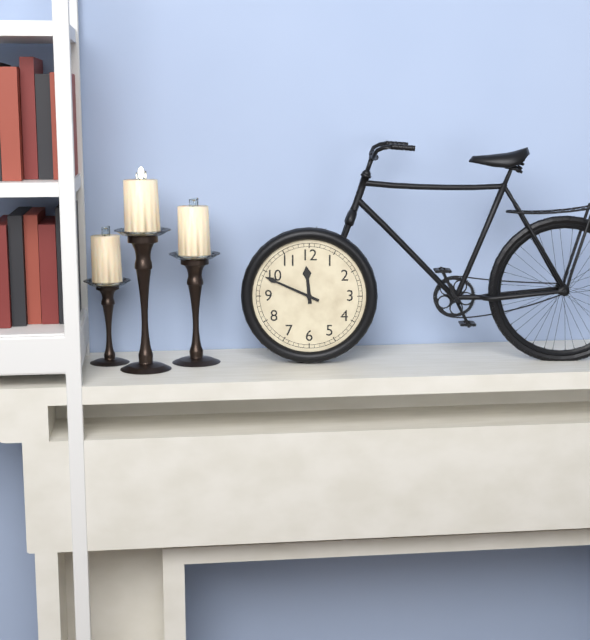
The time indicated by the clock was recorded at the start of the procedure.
11:49
